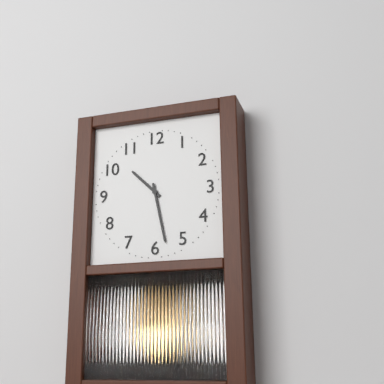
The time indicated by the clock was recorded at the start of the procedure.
10:28
